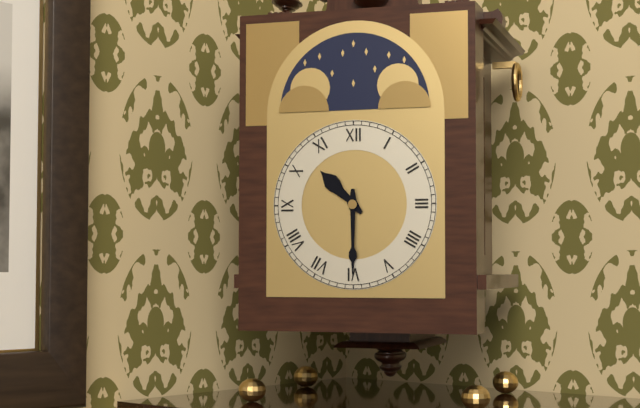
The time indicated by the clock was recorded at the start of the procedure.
10:30
